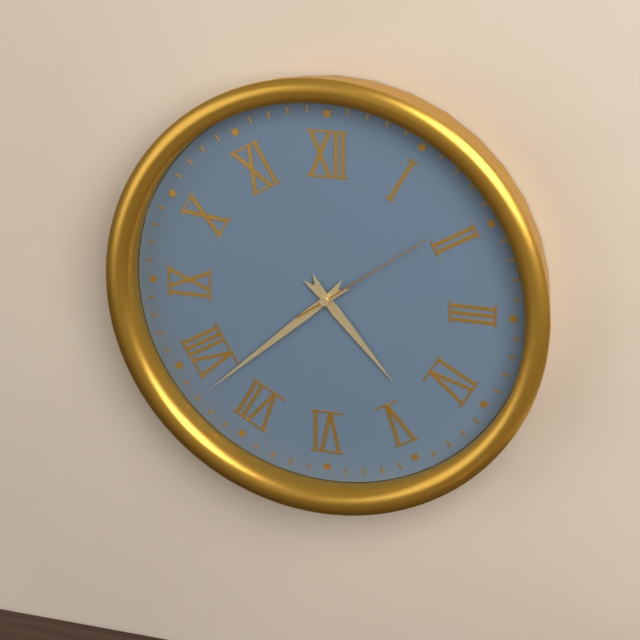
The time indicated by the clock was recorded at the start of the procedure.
4:38:09
